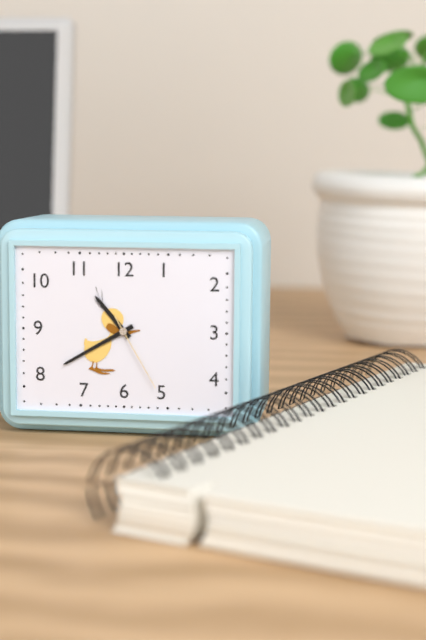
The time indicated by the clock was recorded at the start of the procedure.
10:40:25
